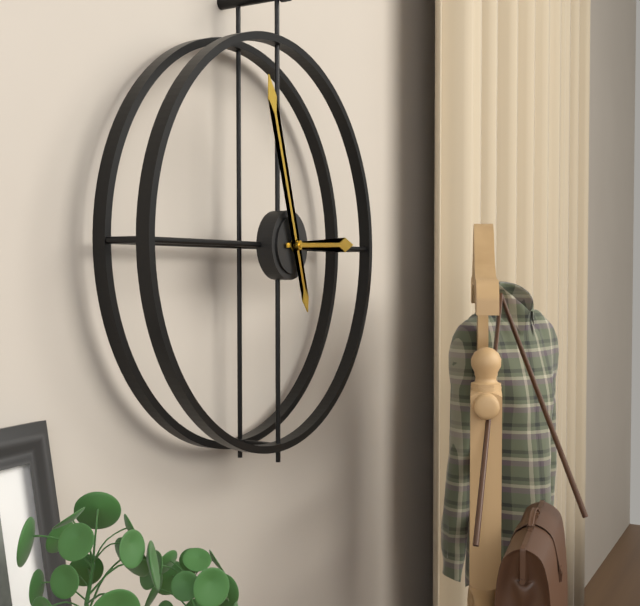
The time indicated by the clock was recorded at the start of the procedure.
2:57
